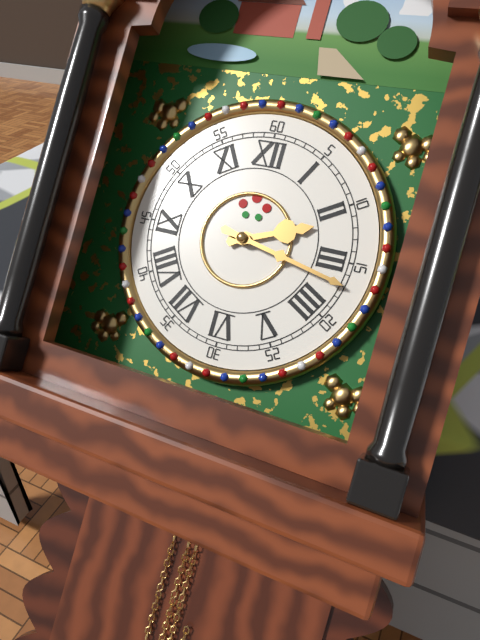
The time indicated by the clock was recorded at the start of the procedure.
2:17
